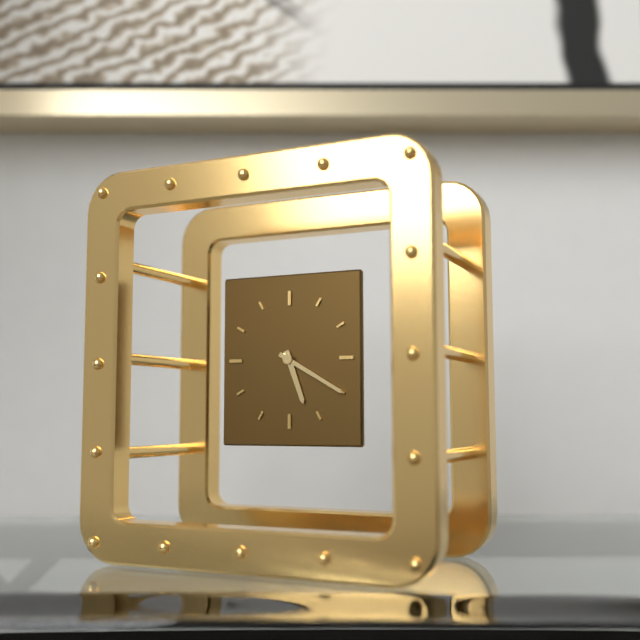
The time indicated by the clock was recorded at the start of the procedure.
5:20
